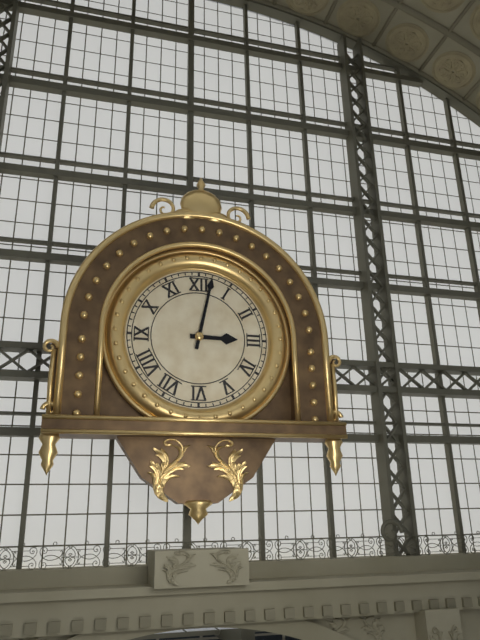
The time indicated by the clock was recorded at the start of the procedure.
3:02
